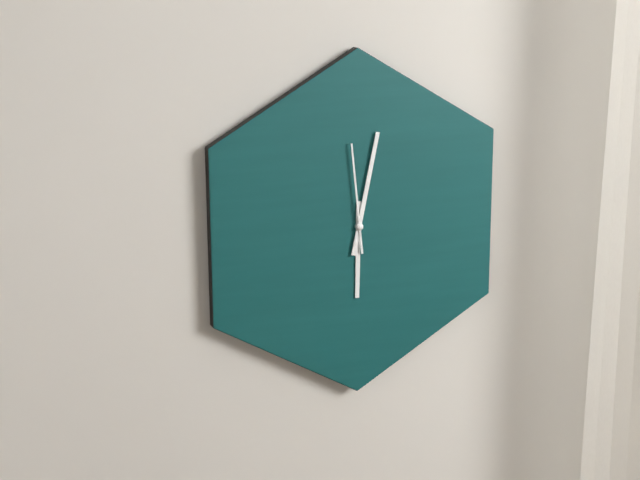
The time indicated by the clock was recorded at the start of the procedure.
6:02:59
